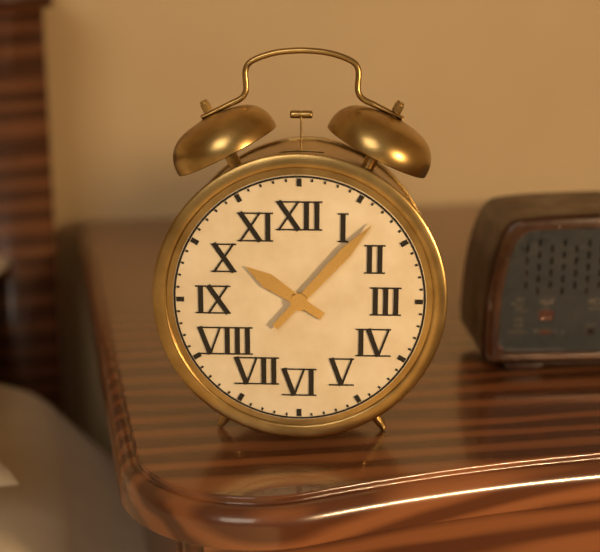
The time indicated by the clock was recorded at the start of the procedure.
10:07
